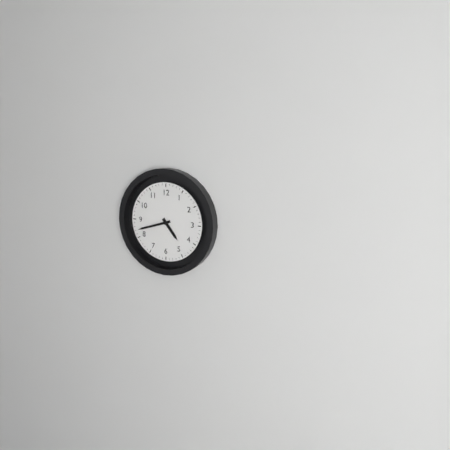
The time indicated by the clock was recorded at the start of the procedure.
4:42
